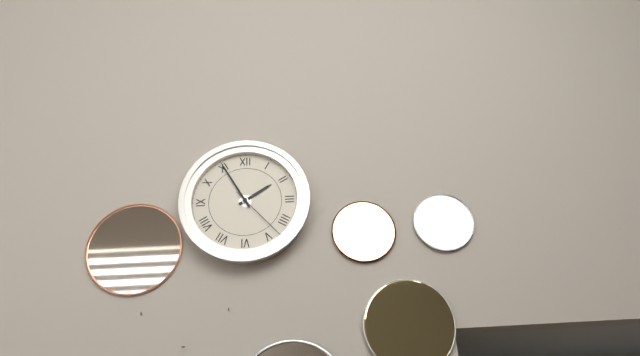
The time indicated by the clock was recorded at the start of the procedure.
1:55:23
